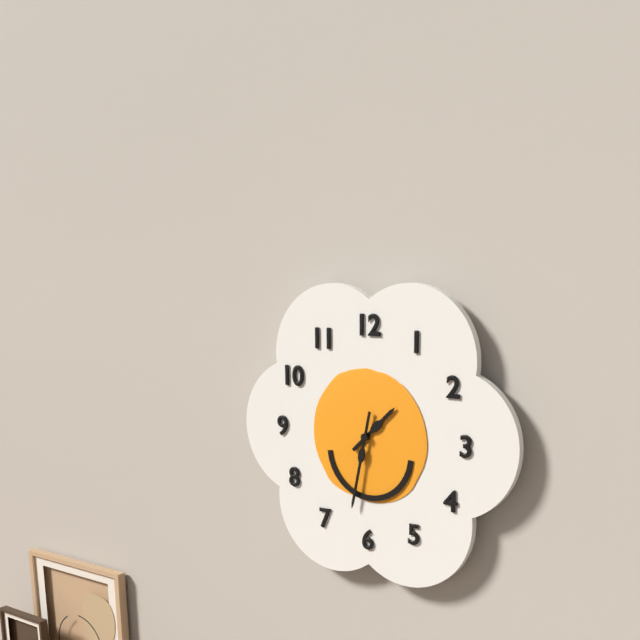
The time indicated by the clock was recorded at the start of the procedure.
1:32
